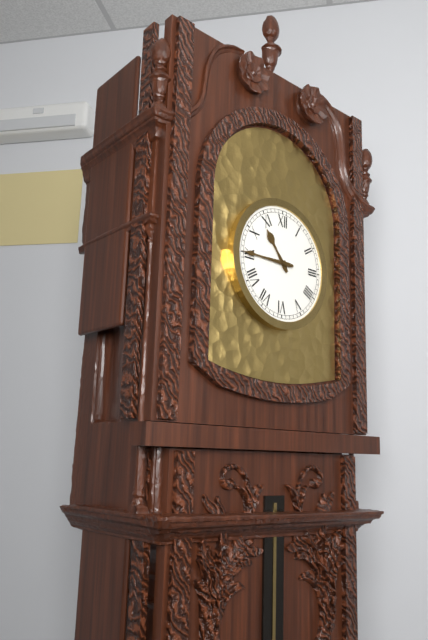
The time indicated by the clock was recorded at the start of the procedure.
10:45
